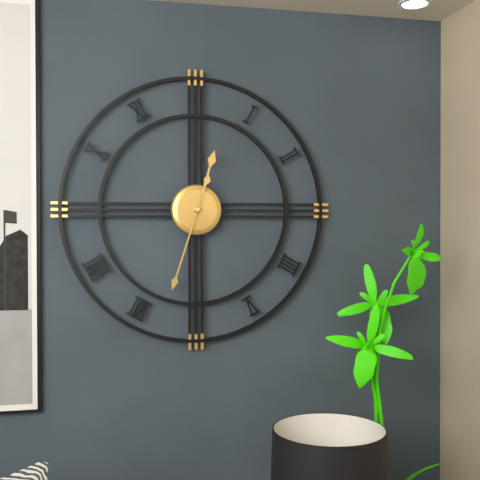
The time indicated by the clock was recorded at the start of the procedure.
12:33
